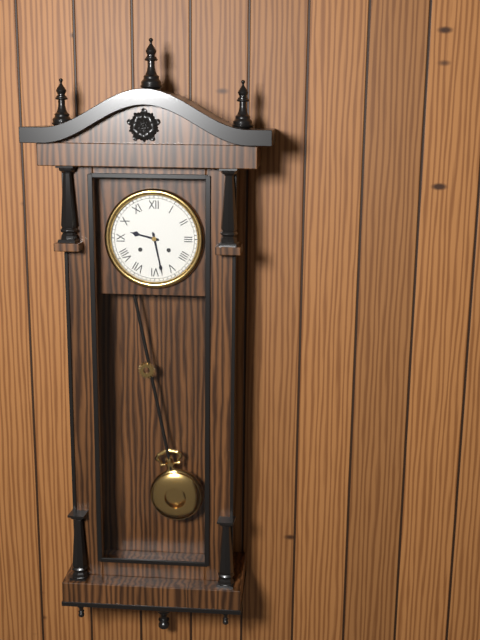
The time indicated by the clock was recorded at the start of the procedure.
9:28
